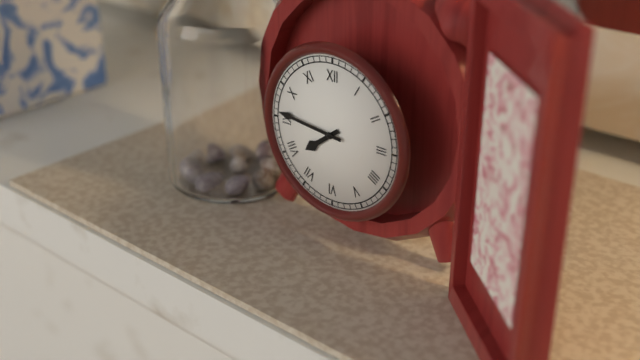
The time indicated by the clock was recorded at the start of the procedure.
7:46
